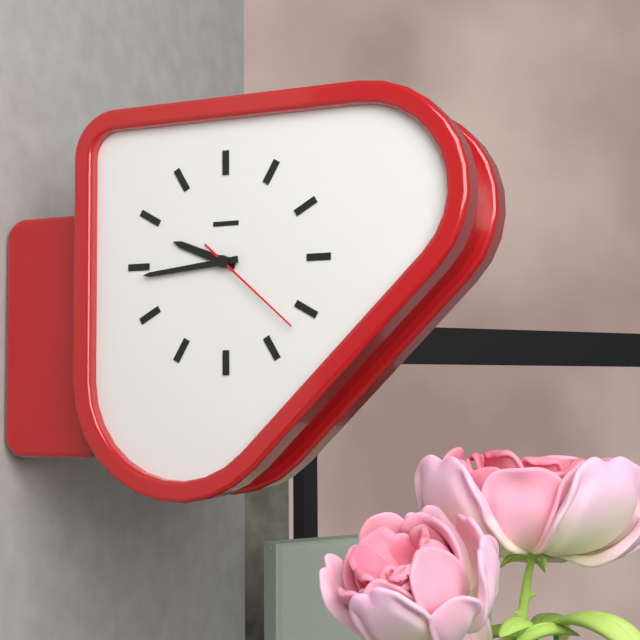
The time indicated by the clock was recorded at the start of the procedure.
9:44:22
